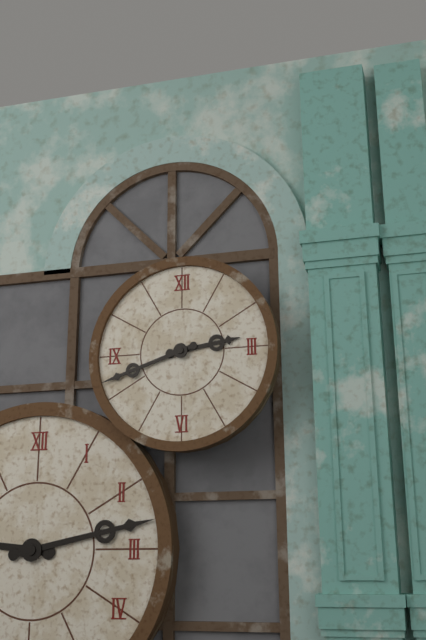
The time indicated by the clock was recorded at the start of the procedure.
2:42
